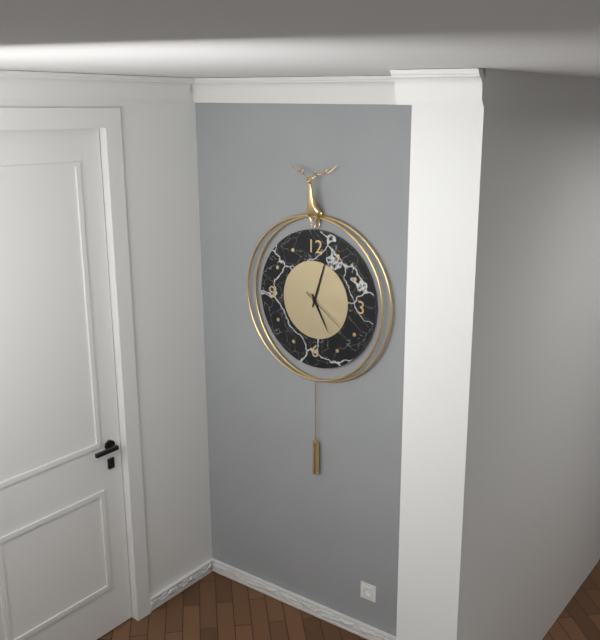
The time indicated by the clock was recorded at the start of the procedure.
5:03
